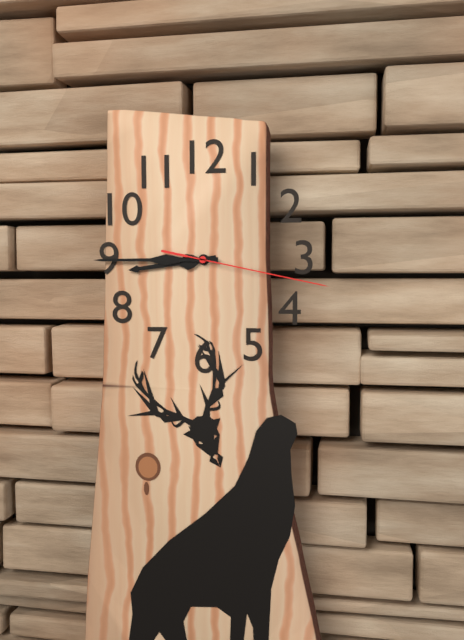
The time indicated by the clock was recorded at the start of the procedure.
8:45:17
